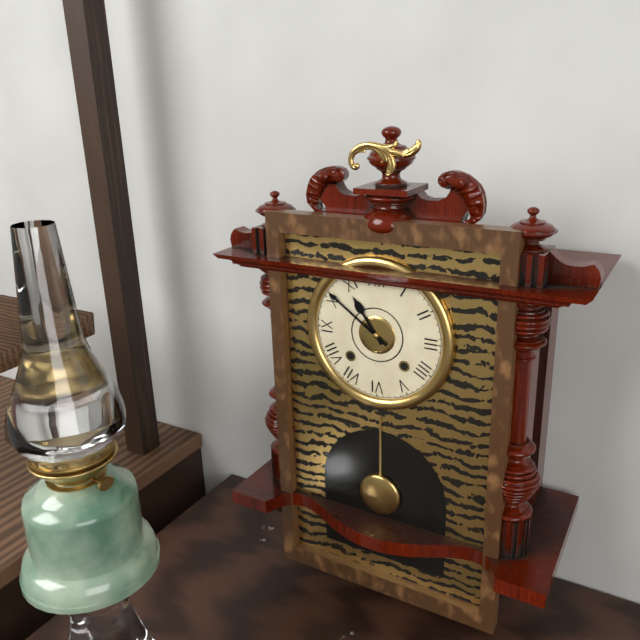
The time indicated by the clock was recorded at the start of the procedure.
10:51
